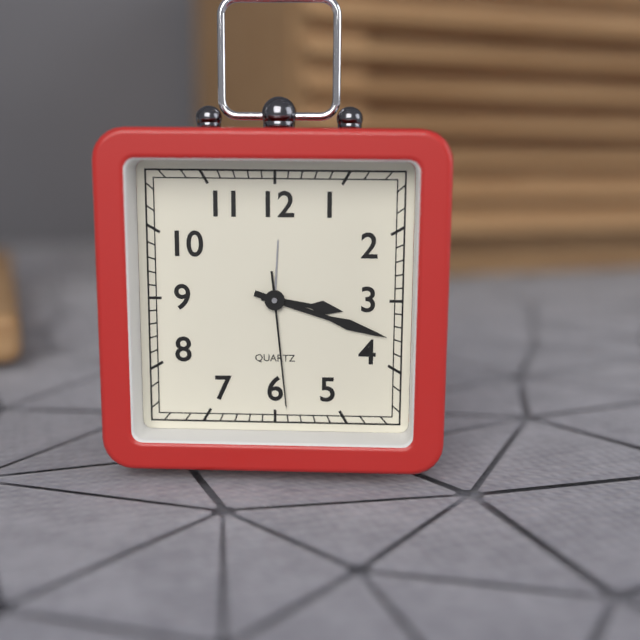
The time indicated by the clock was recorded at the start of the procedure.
3:18:29
